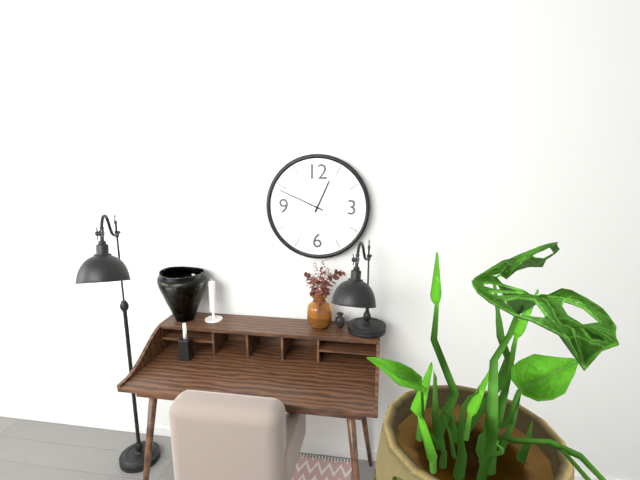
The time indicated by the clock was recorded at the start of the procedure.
12:49
